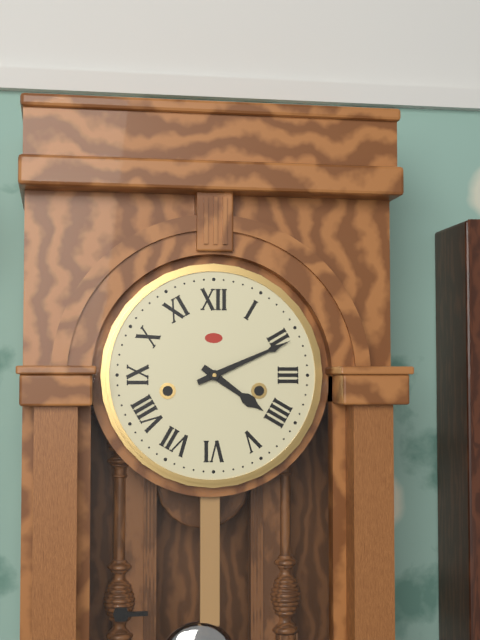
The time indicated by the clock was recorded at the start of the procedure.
4:11
